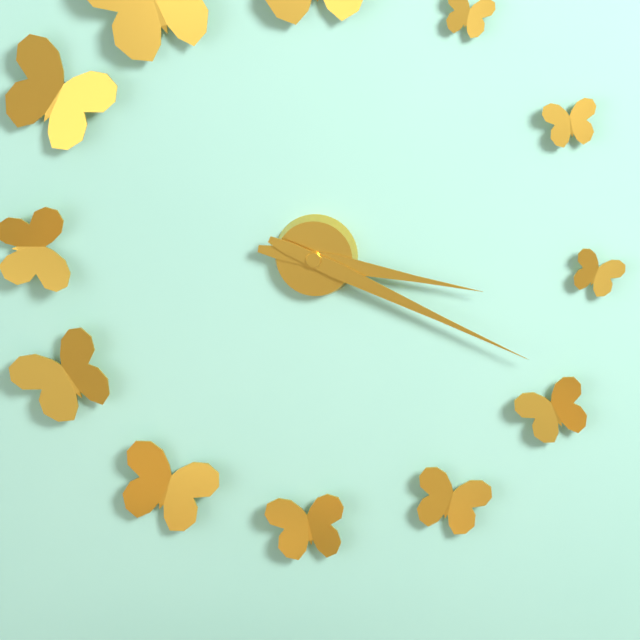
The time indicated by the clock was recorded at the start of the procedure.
3:19
